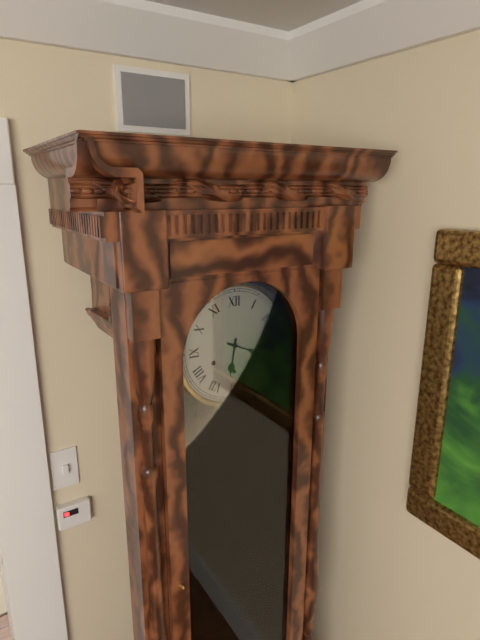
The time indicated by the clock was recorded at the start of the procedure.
6:19
